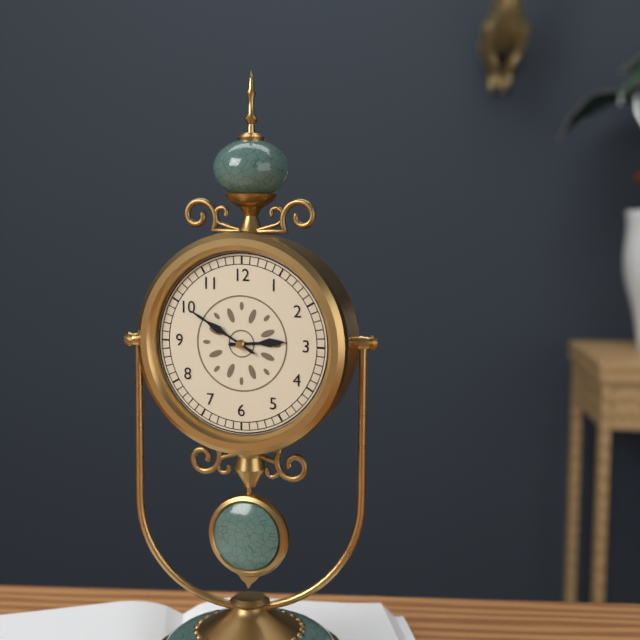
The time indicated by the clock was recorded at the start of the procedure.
2:50
